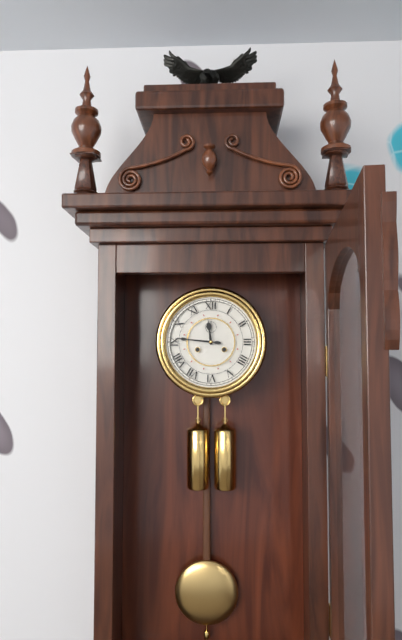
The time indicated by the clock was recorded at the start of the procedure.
11:46
